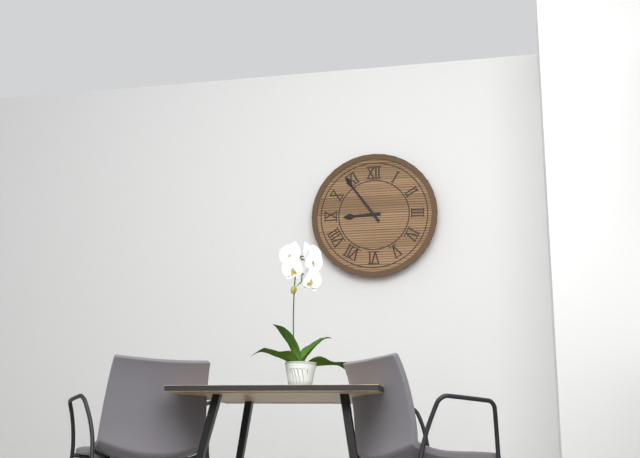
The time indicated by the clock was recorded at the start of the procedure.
8:54
